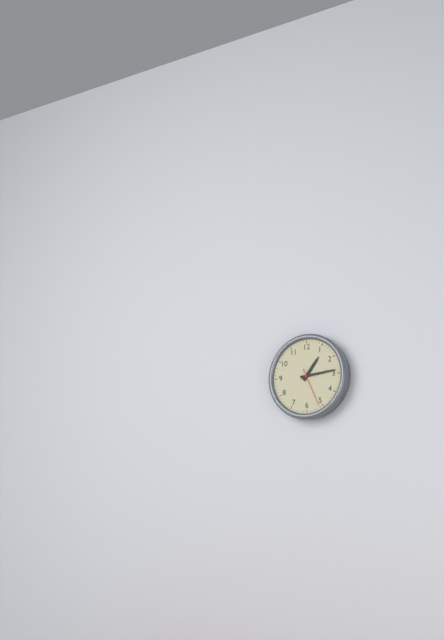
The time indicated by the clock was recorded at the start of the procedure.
1:14
